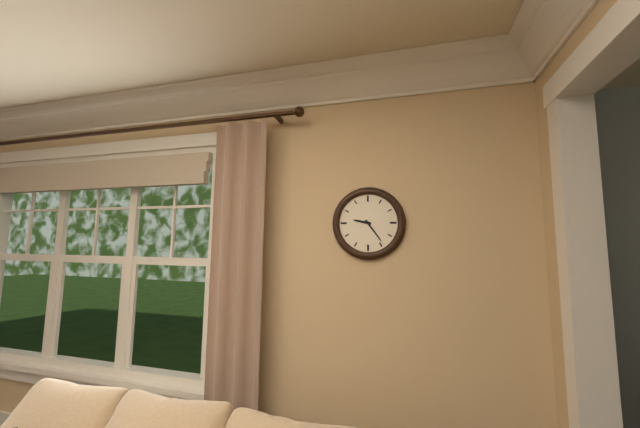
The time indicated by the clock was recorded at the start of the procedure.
9:24
